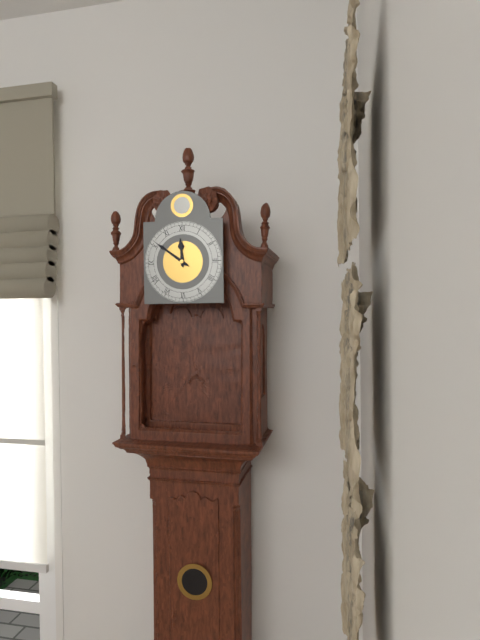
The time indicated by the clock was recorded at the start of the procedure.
11:51
